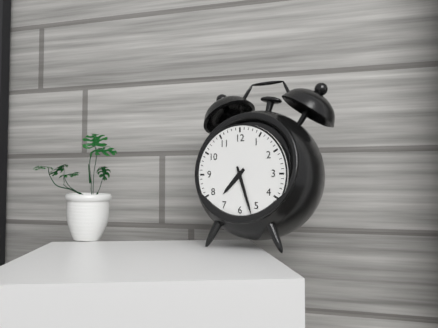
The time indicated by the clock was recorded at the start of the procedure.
7:27
